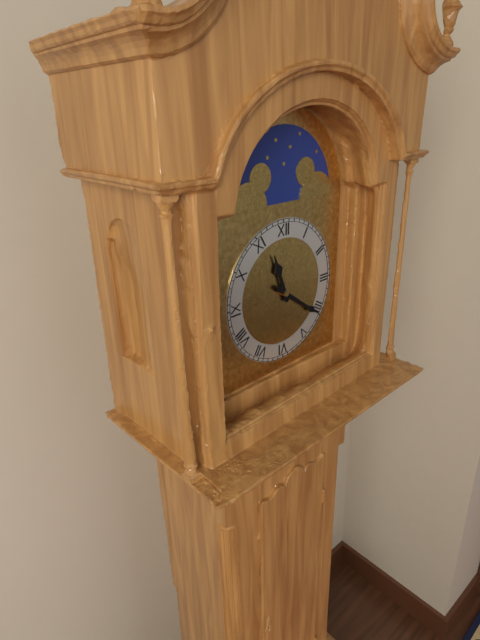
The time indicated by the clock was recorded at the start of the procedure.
11:21
